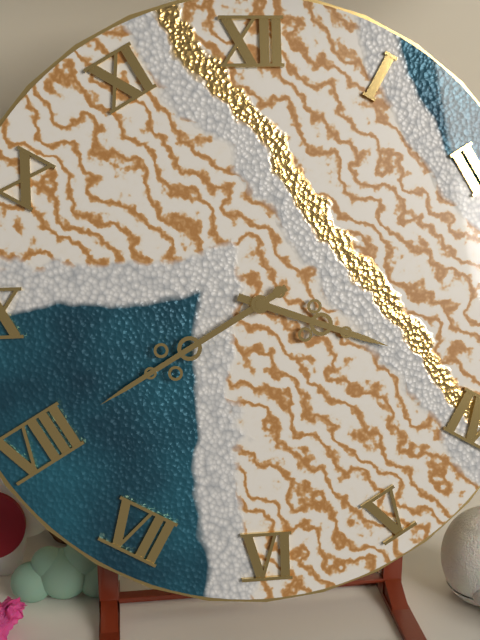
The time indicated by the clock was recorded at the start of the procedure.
3:40
